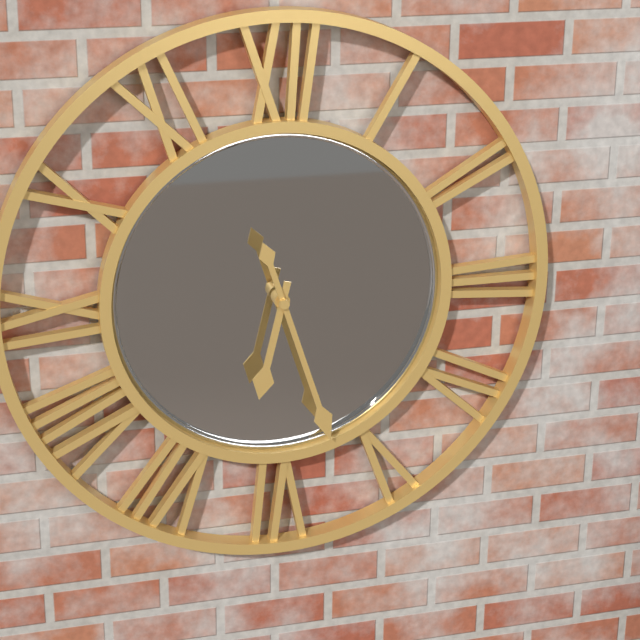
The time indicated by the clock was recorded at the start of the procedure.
6:27
